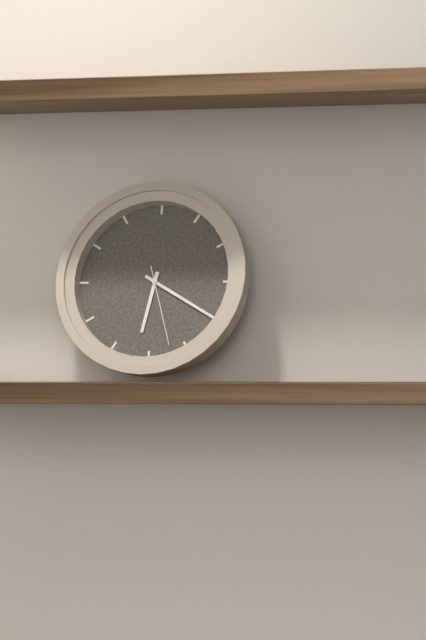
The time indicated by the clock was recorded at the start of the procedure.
6:20:27
